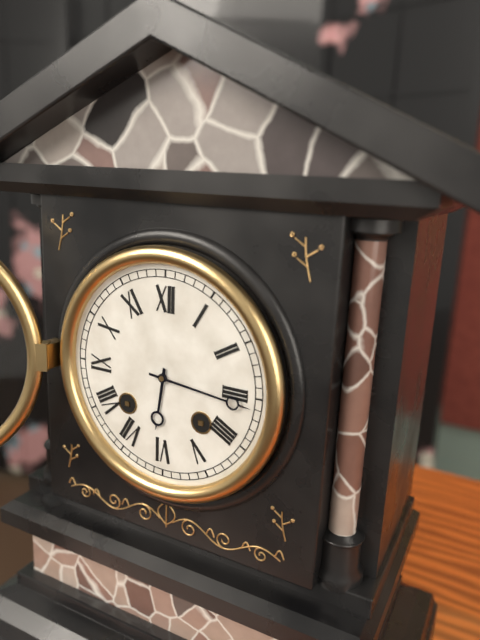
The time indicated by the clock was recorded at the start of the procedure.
6:16
